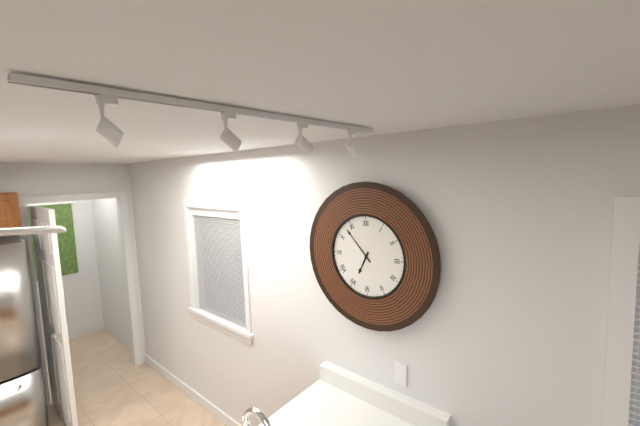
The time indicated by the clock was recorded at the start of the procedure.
6:53
